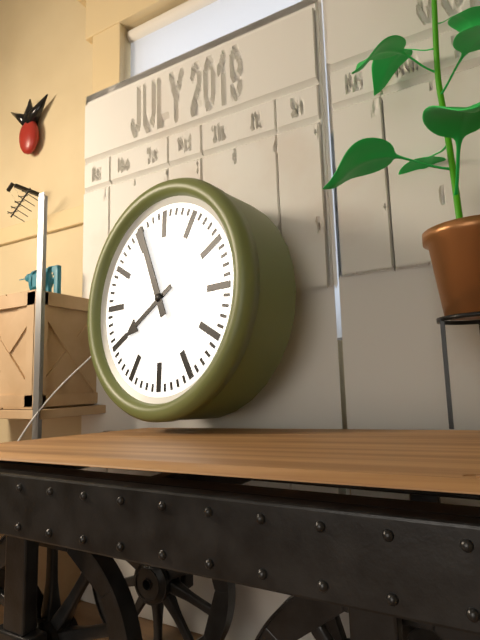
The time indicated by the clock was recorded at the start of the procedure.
7:56
